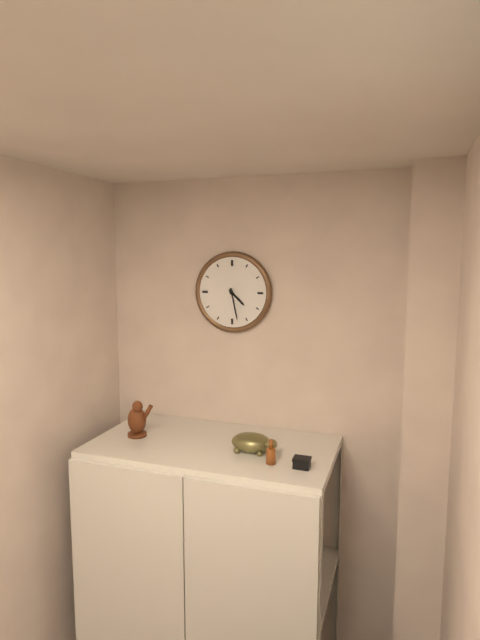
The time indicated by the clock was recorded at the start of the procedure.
4:28
